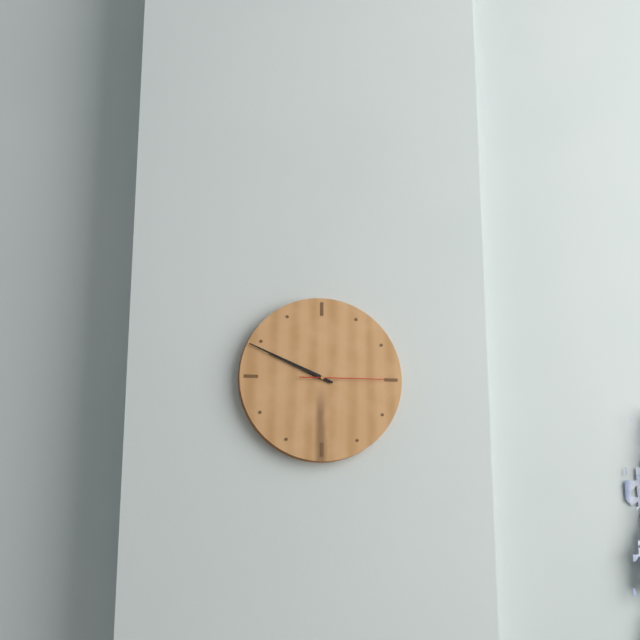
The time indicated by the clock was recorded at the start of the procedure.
9:49:15
